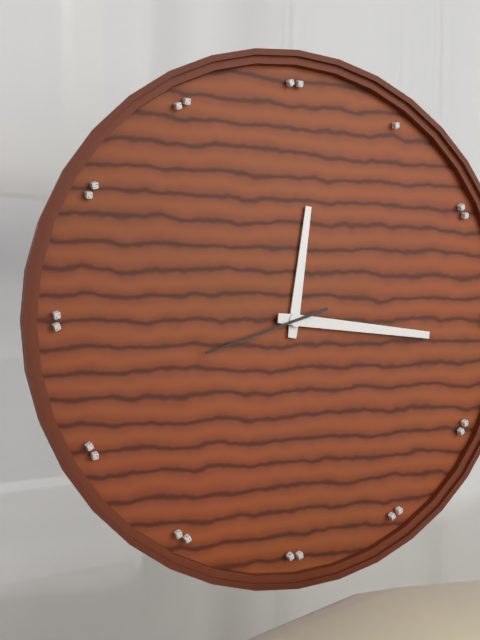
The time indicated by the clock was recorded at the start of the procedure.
12:16:42
